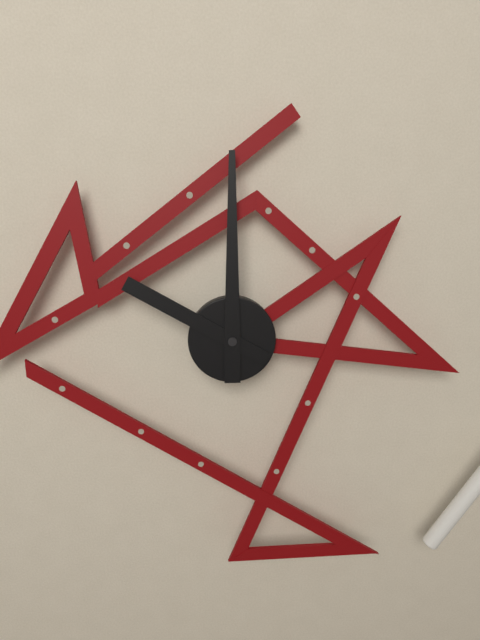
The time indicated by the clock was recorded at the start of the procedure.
10:00
